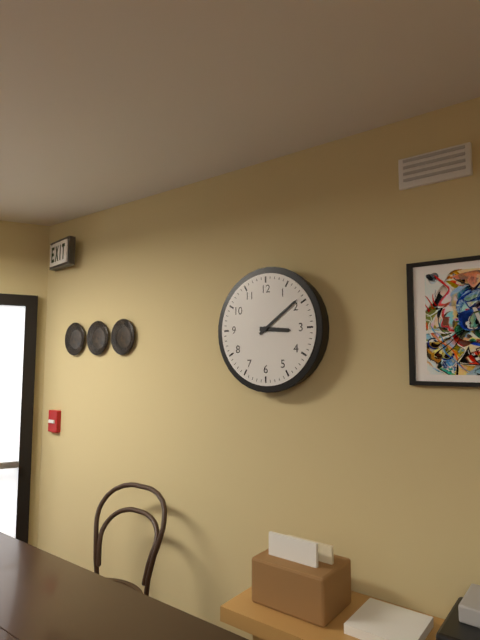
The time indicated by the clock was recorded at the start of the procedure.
3:09
